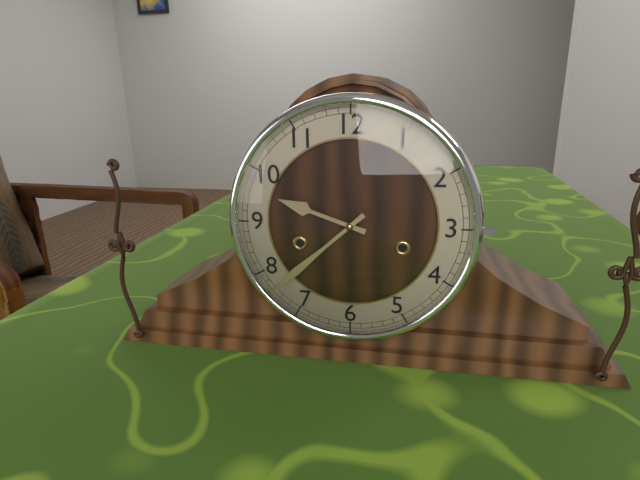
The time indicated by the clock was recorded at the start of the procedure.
9:38
